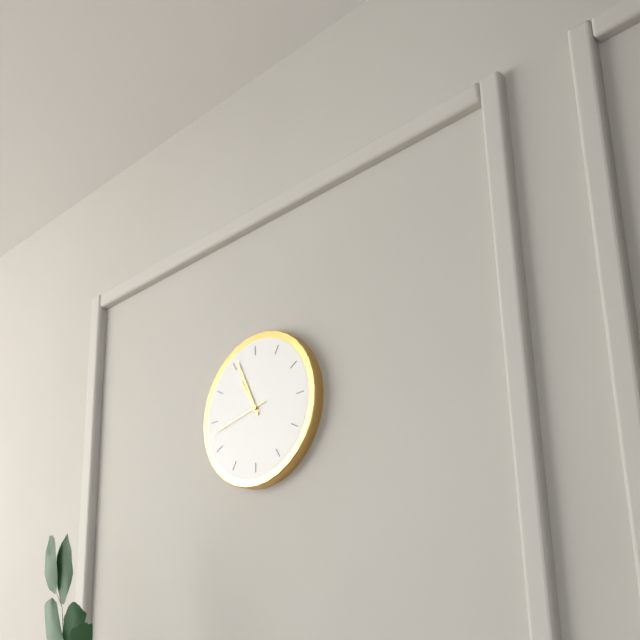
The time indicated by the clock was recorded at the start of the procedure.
10:56:43
